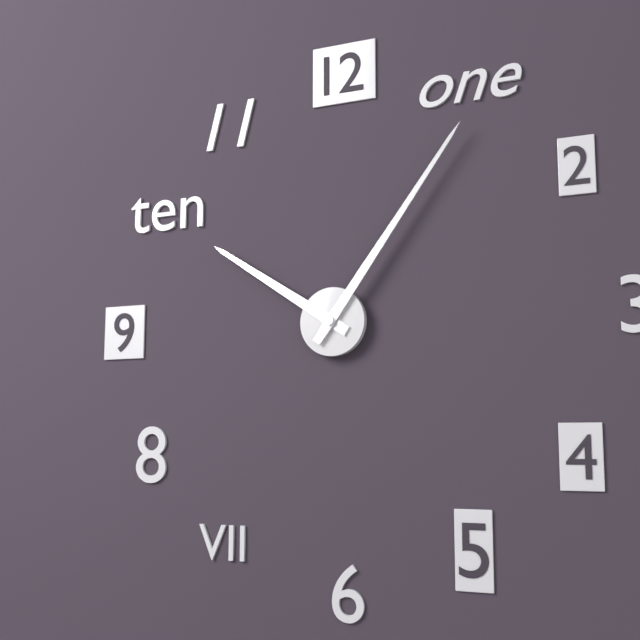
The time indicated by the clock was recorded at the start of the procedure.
10:06
